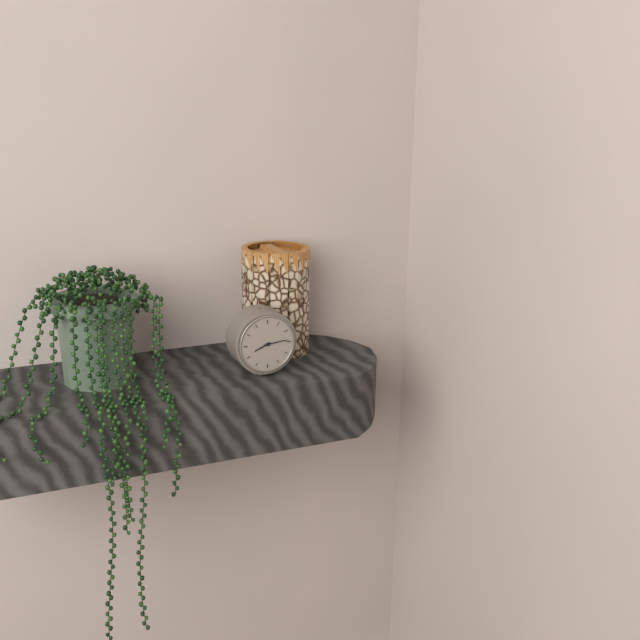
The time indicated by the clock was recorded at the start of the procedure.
8:14
